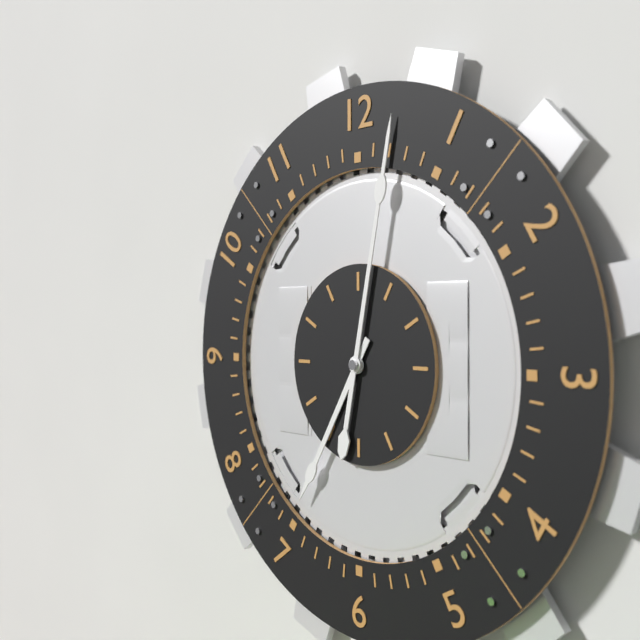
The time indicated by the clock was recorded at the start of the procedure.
7:02
